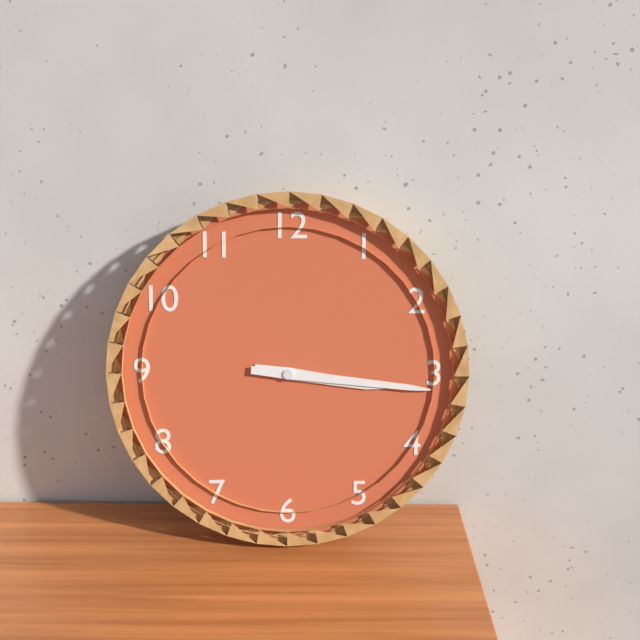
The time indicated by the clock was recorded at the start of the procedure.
3:16
